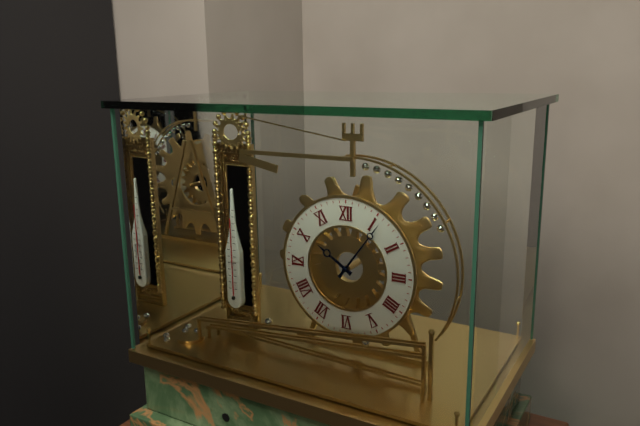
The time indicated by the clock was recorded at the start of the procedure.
10:06
